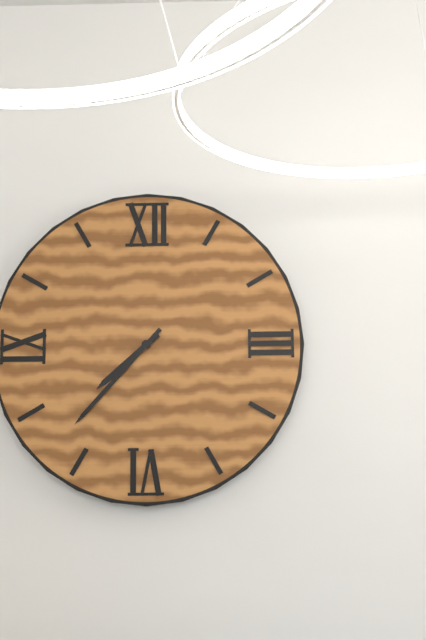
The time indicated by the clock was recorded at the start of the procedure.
7:37
